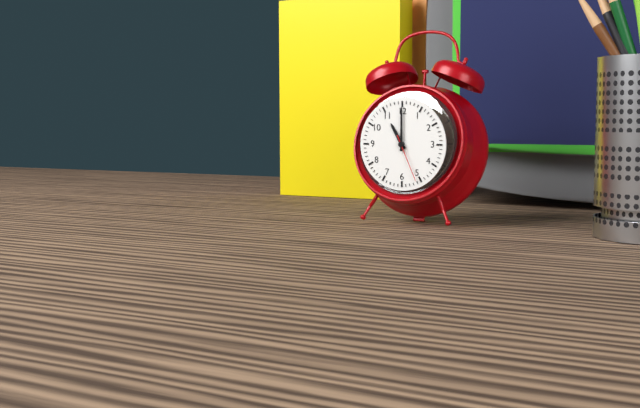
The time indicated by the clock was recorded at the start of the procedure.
11:00:26
